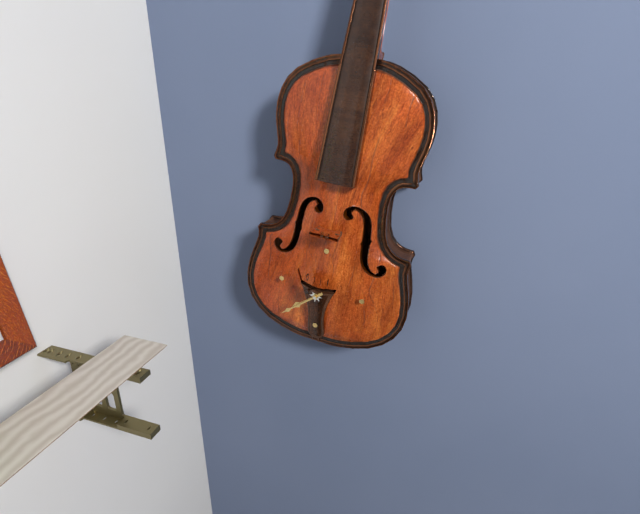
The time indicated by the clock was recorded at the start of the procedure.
7:38
